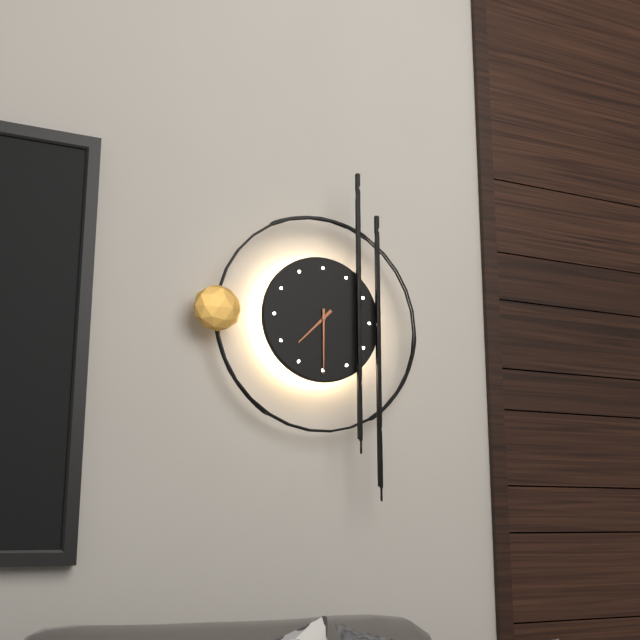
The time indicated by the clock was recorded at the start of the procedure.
7:30
